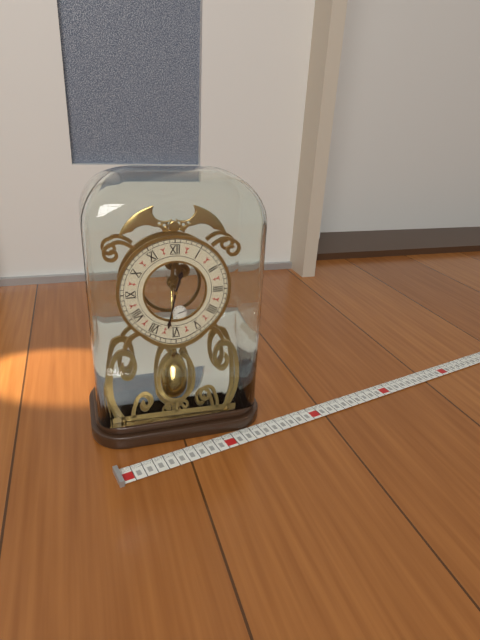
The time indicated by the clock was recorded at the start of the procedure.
12:32
